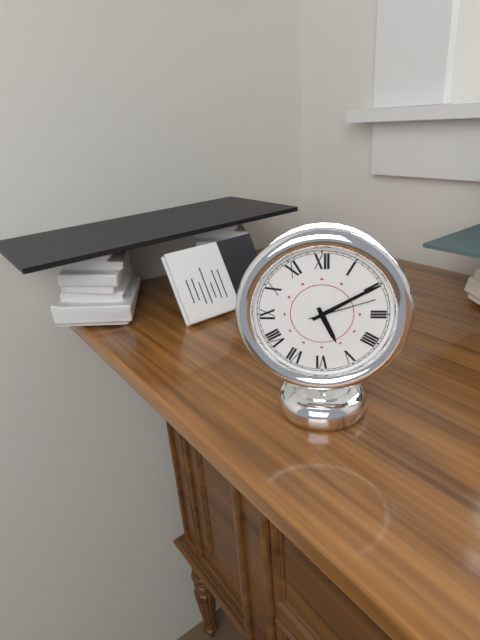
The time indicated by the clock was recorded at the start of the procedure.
5:10:12
